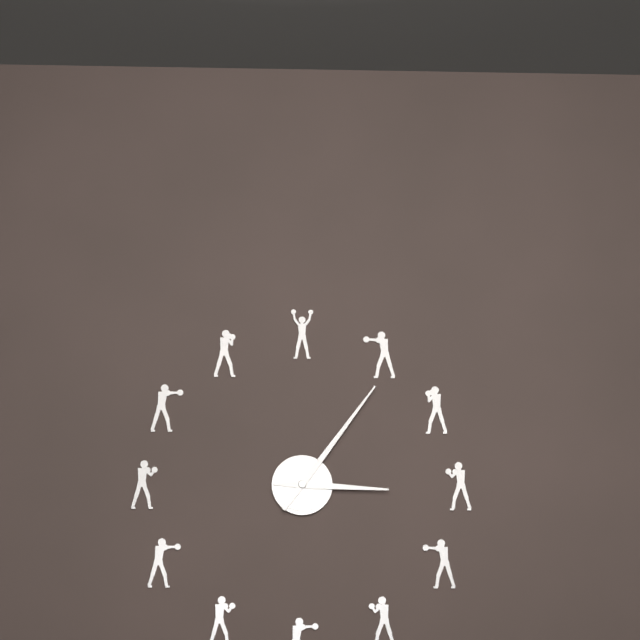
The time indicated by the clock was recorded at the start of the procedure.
3:06
